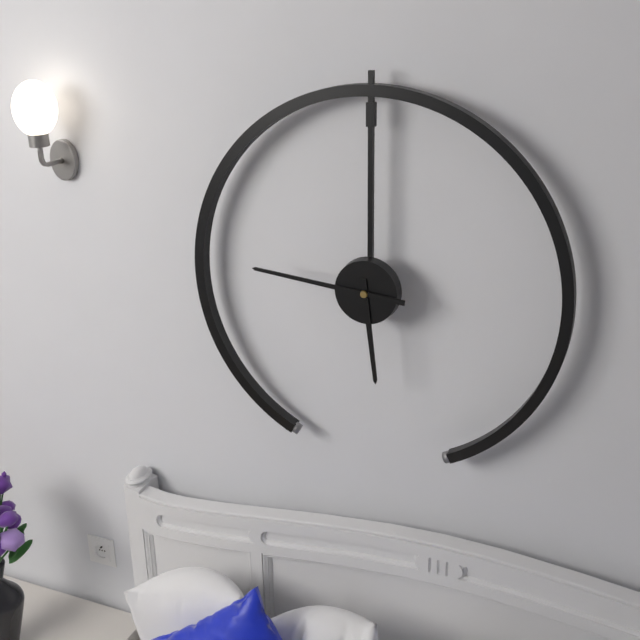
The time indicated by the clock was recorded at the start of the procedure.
5:46
